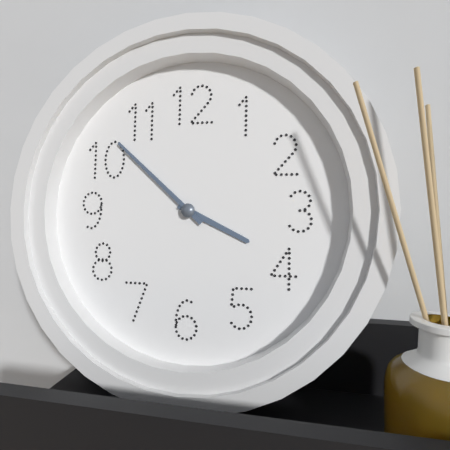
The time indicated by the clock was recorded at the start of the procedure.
3:52
